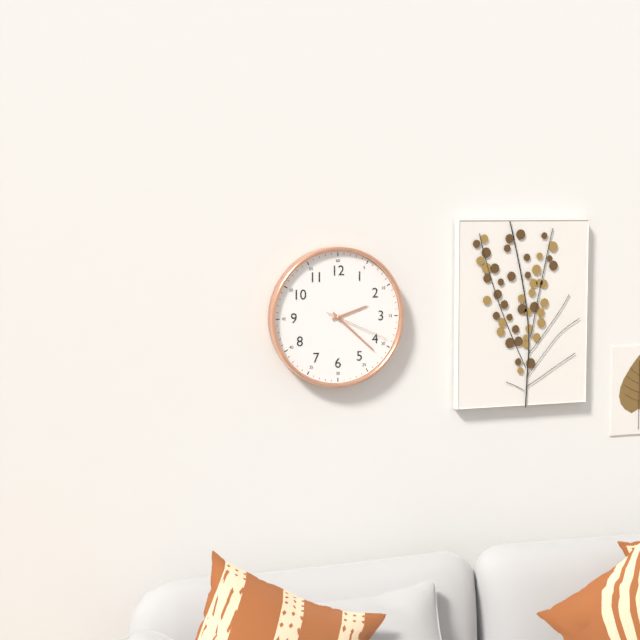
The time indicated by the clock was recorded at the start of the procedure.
2:22:19
